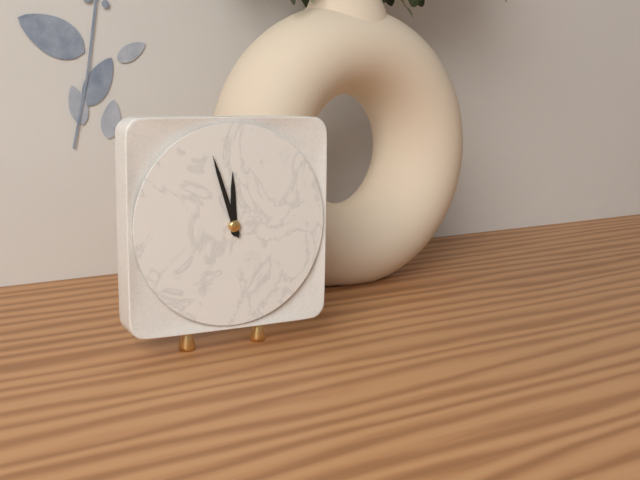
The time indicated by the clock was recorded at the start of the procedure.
11:57
